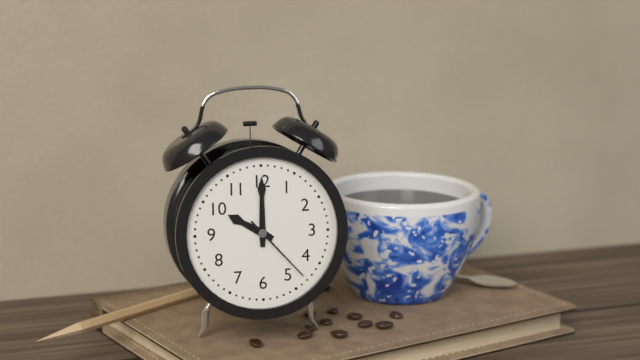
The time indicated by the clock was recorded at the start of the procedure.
10:00:23
